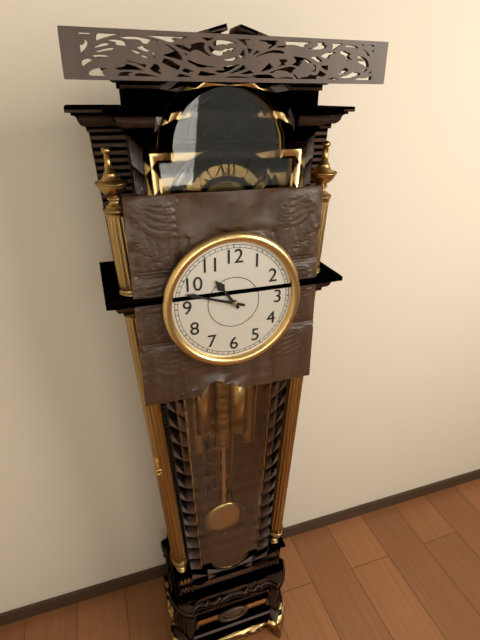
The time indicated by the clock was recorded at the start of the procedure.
10:48
